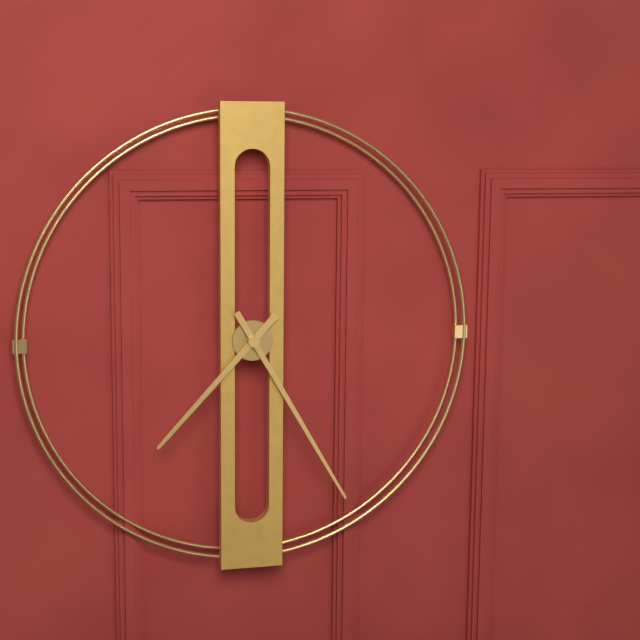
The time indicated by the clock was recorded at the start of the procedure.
7:25
